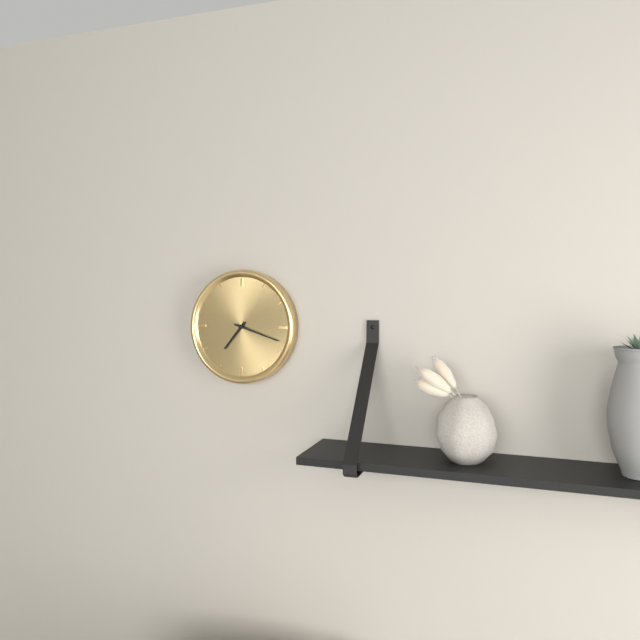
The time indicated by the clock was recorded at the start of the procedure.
7:18
